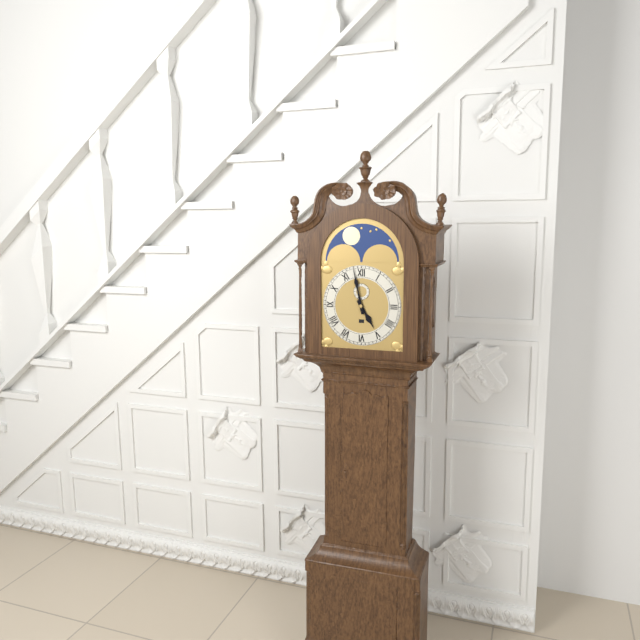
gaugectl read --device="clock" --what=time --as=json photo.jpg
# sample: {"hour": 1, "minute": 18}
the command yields {"hour": 4, "minute": 58}
